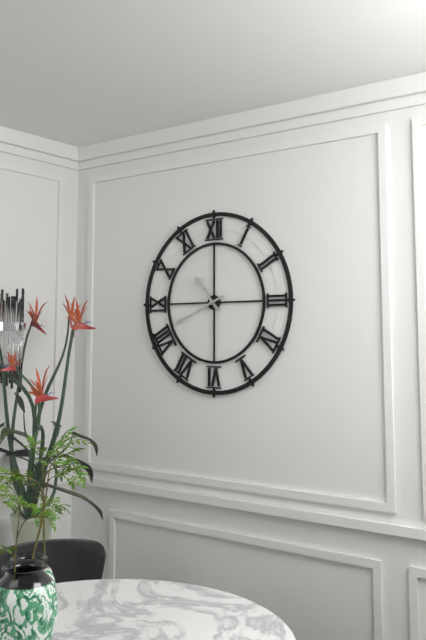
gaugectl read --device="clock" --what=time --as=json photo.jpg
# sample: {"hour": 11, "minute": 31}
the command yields {"hour": 10, "minute": 41}
